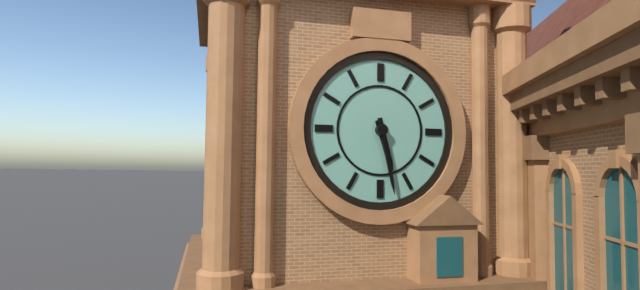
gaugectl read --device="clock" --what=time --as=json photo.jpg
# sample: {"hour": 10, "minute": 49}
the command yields {"hour": 5, "minute": 28}
